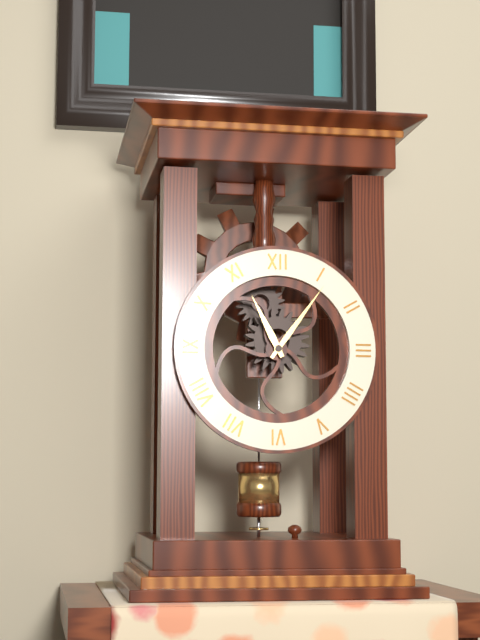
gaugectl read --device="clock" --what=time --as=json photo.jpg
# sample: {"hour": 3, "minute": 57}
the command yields {"hour": 11, "minute": 6}
